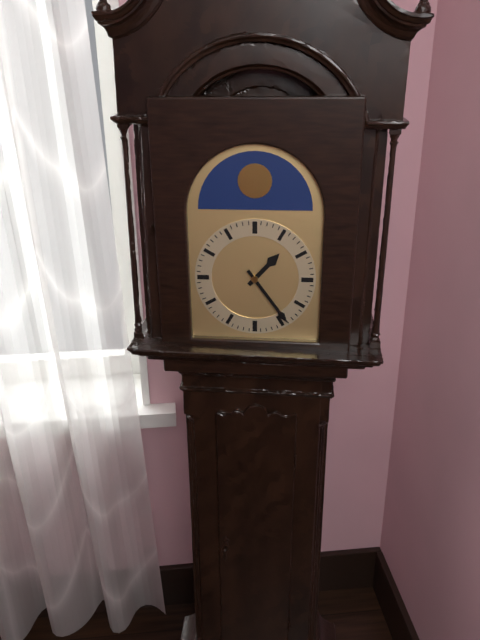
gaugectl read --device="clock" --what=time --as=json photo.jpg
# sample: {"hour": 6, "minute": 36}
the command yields {"hour": 1, "minute": 24}
